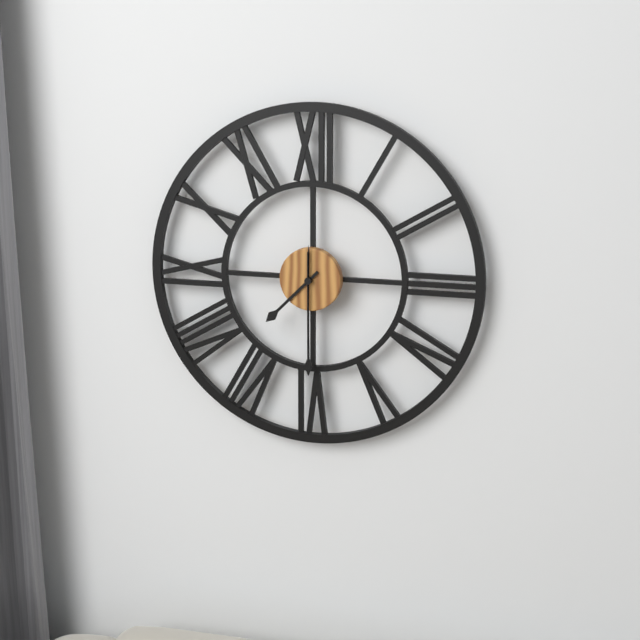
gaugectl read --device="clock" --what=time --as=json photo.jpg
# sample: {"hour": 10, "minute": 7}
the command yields {"hour": 7, "minute": 30}
